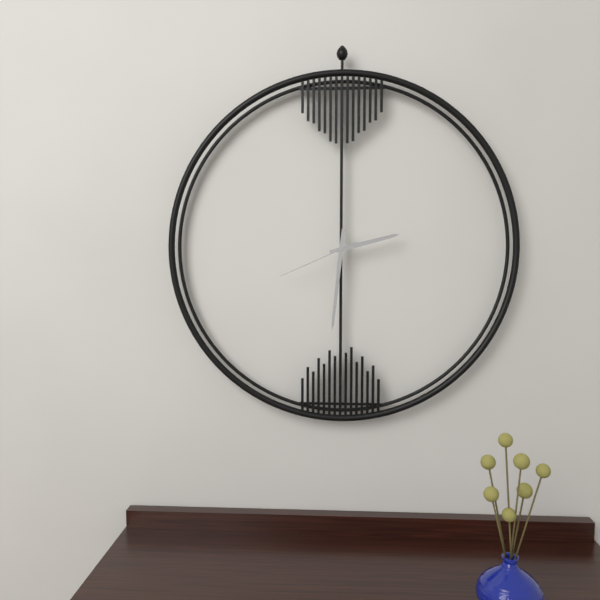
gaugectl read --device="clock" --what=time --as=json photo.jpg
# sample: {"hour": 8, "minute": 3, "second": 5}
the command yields {"hour": 2, "minute": 31, "second": 41}
